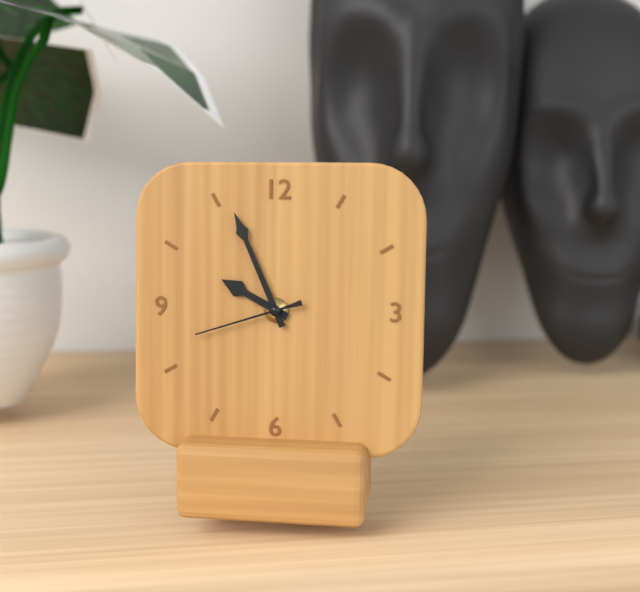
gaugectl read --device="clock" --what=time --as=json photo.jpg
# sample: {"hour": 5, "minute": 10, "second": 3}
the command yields {"hour": 9, "minute": 56, "second": 42}
